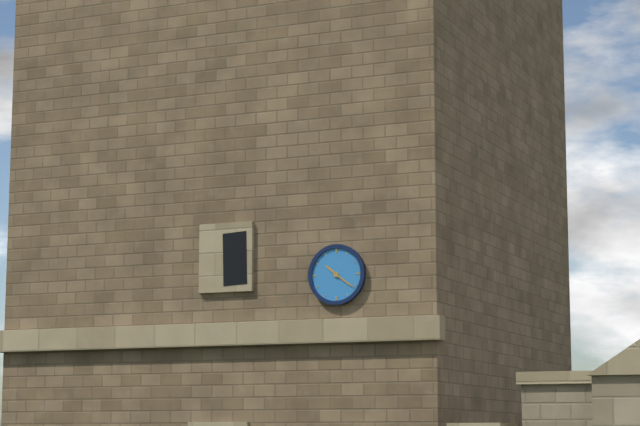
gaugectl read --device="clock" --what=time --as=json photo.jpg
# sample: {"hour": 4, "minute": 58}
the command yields {"hour": 10, "minute": 21}
